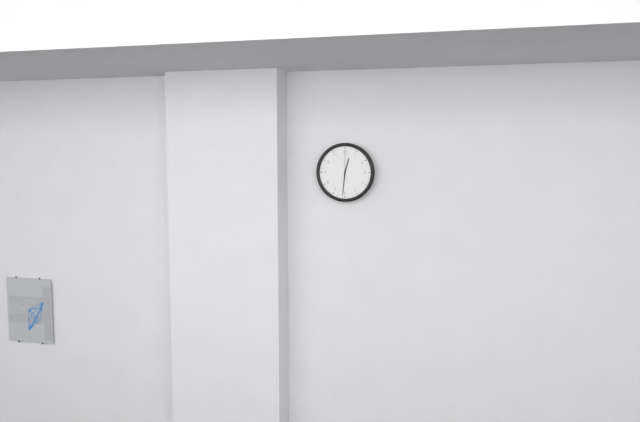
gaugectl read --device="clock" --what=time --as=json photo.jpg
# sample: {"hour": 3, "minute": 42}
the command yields {"hour": 12, "minute": 31}
